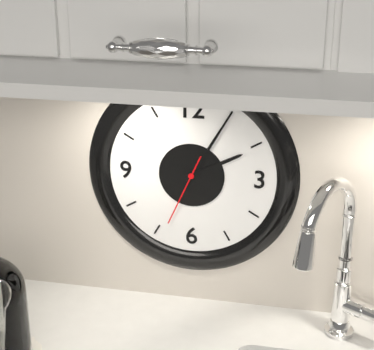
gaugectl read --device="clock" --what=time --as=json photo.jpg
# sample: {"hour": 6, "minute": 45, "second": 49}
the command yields {"hour": 2, "minute": 5, "second": 34}
